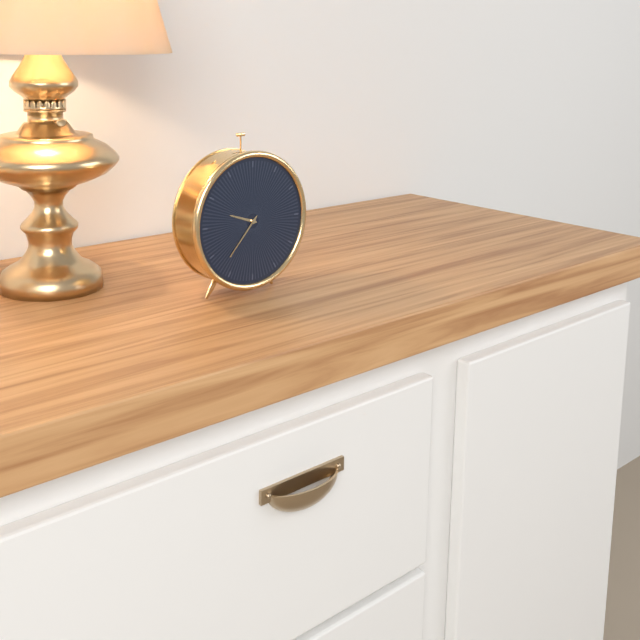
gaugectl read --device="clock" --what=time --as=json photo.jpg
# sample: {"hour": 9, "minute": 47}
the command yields {"hour": 9, "minute": 37}
